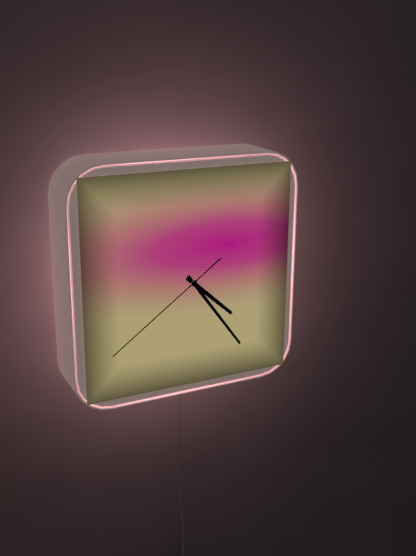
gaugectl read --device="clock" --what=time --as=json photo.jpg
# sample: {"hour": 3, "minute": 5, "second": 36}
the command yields {"hour": 4, "minute": 24, "second": 39}
